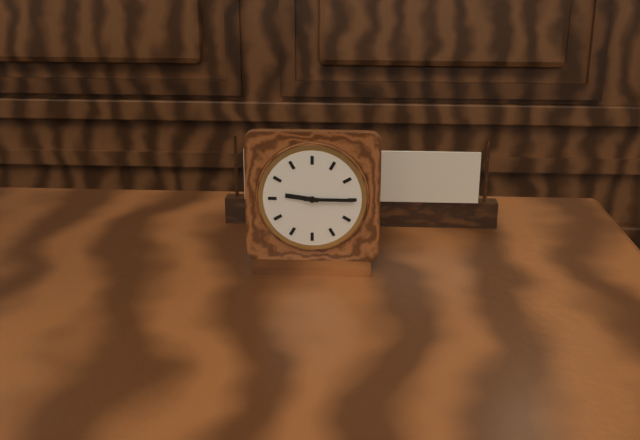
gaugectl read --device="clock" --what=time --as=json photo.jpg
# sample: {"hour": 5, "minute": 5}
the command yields {"hour": 9, "minute": 15}
